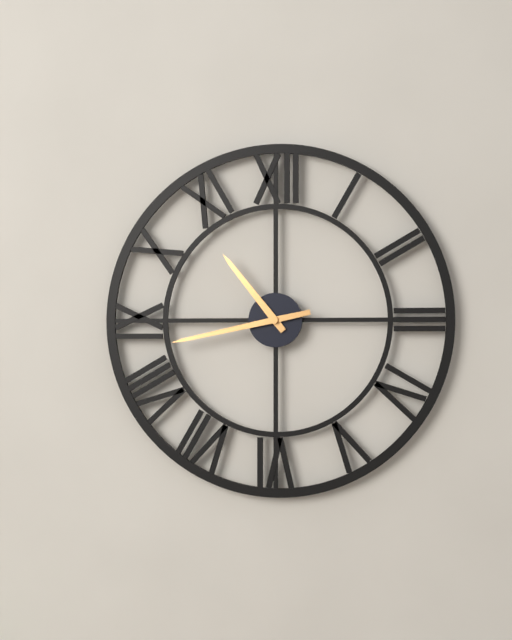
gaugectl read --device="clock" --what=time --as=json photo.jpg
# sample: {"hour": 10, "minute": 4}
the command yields {"hour": 10, "minute": 43}
